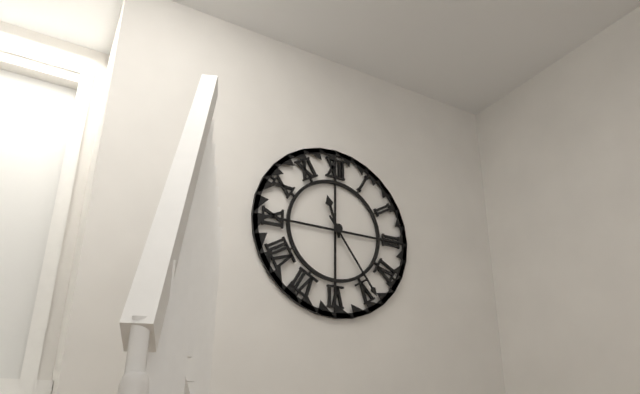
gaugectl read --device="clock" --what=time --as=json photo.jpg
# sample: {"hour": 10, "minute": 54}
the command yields {"hour": 11, "minute": 24}
